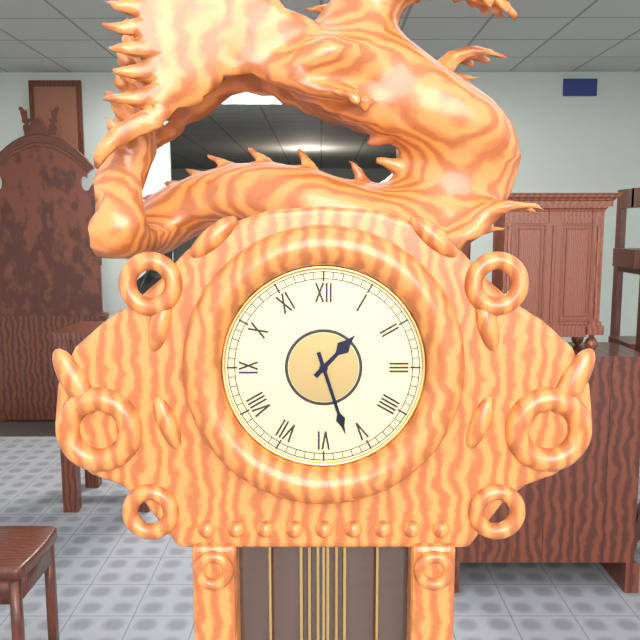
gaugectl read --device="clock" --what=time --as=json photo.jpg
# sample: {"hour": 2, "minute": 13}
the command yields {"hour": 1, "minute": 27}
